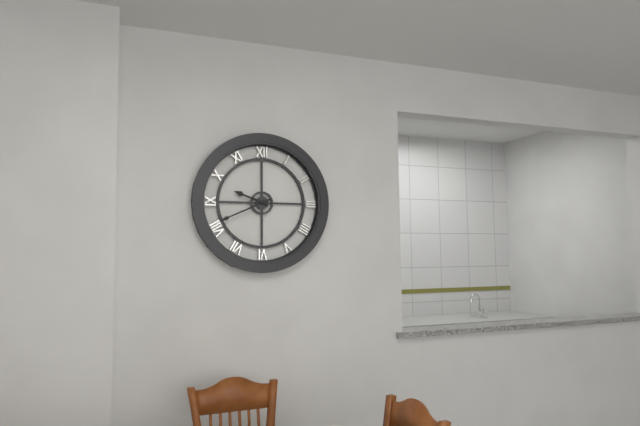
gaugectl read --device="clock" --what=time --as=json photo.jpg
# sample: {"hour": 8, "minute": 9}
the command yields {"hour": 9, "minute": 41}
